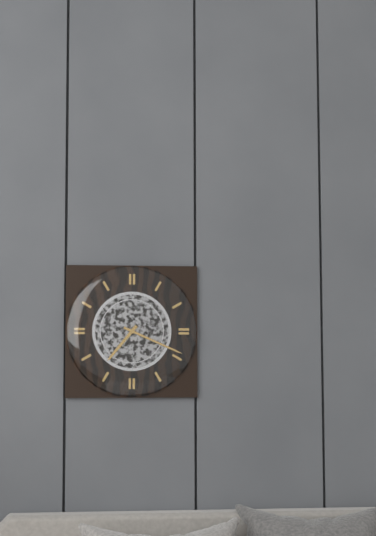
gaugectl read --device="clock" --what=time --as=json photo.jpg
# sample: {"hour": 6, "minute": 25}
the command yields {"hour": 7, "minute": 19}
